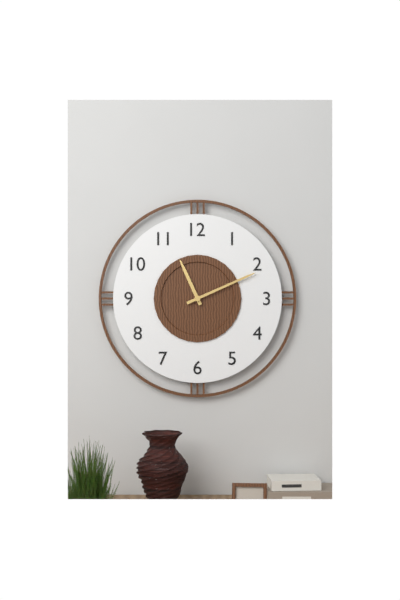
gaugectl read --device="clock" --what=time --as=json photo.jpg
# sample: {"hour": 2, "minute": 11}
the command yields {"hour": 11, "minute": 11}
